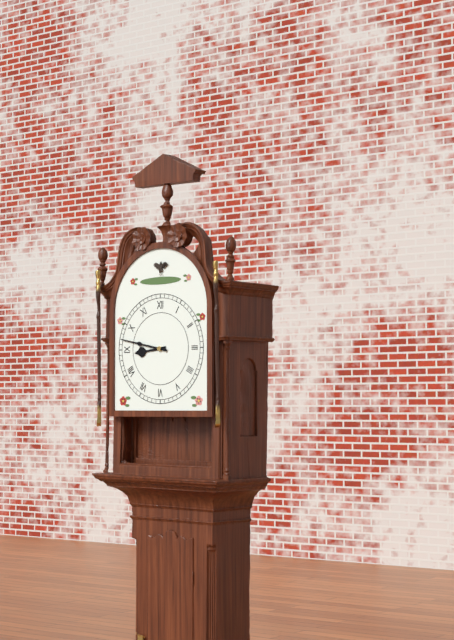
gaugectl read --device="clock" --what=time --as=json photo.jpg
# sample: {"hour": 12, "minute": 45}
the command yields {"hour": 8, "minute": 47}
